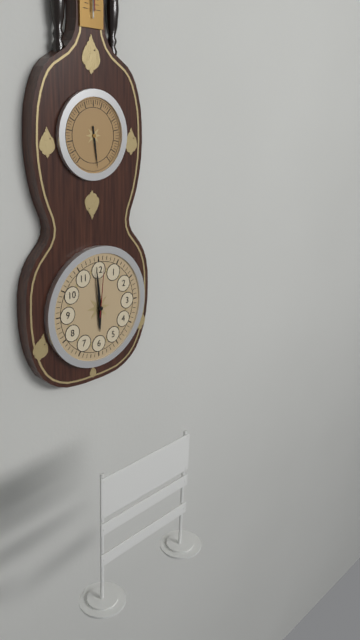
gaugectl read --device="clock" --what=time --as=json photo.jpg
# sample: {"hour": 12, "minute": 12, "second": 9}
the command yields {"hour": 5, "minute": 59, "second": 1}
